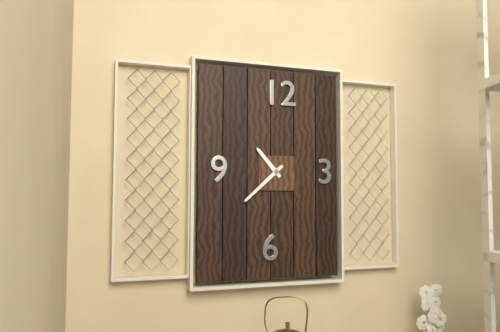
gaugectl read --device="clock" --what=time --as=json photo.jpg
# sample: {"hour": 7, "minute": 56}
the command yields {"hour": 10, "minute": 38}
